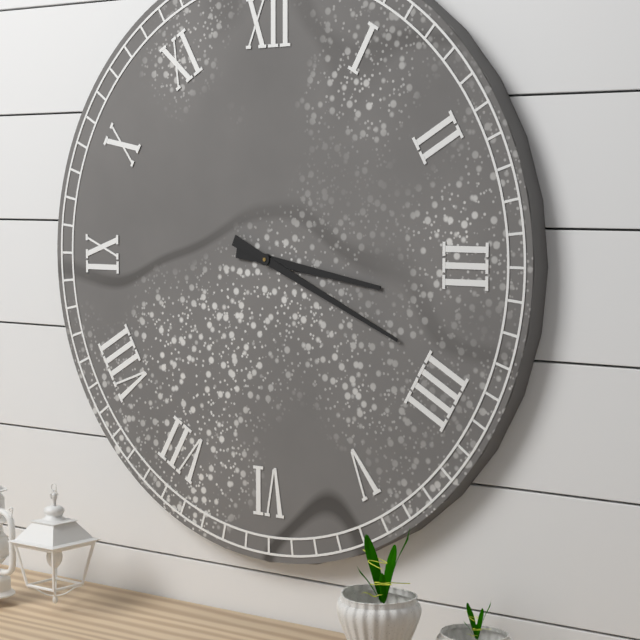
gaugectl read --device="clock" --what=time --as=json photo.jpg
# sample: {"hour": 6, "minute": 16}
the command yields {"hour": 3, "minute": 19}
